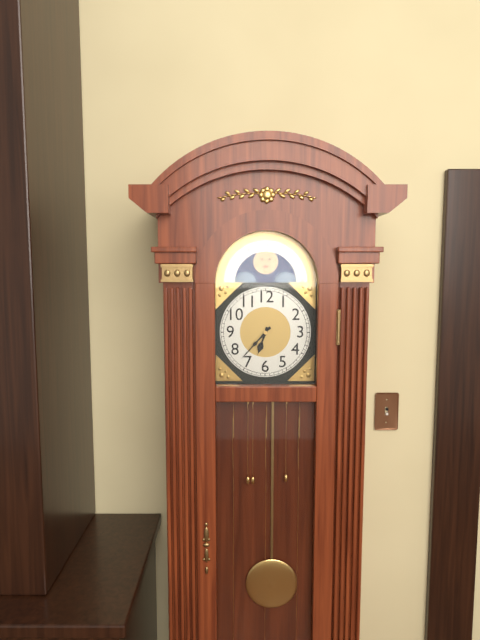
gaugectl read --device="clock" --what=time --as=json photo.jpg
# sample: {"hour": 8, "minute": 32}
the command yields {"hour": 6, "minute": 37}
